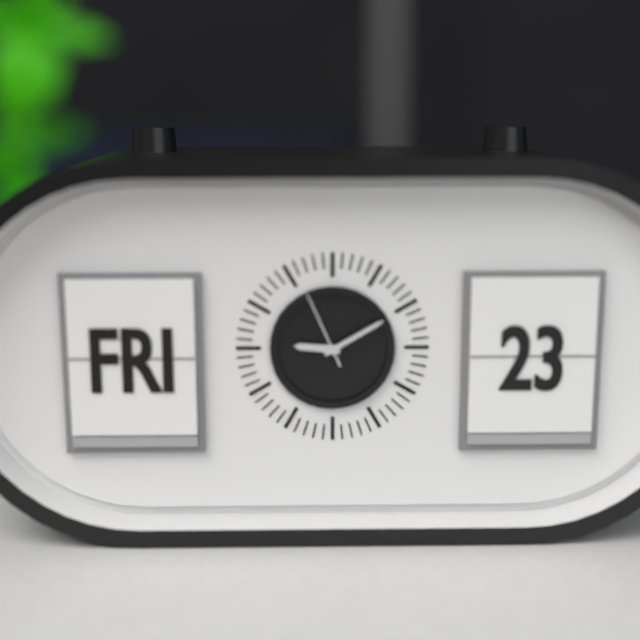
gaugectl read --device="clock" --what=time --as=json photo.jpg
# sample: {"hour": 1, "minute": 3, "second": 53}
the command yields {"hour": 9, "minute": 10, "second": 56}
